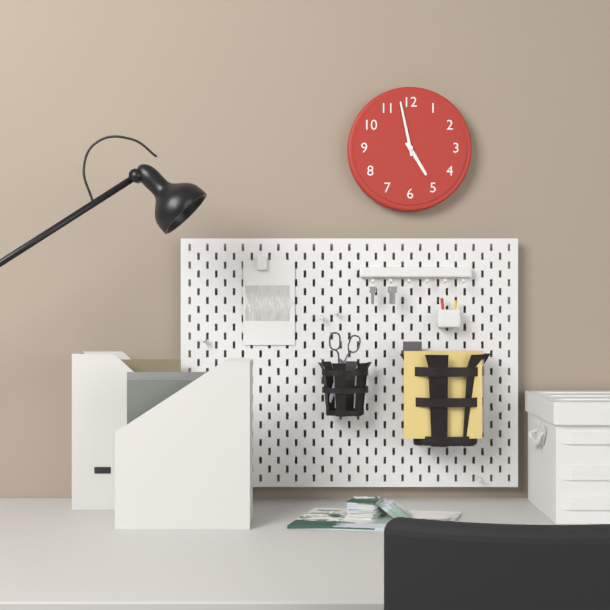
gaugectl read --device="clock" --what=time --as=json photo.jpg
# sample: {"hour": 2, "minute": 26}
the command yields {"hour": 4, "minute": 58}
